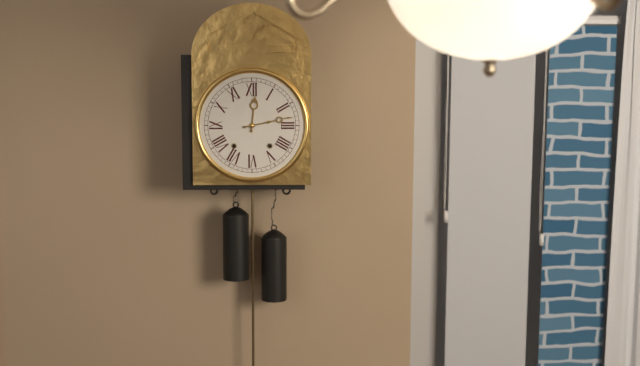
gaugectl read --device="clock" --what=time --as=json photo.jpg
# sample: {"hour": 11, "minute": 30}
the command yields {"hour": 12, "minute": 13}
